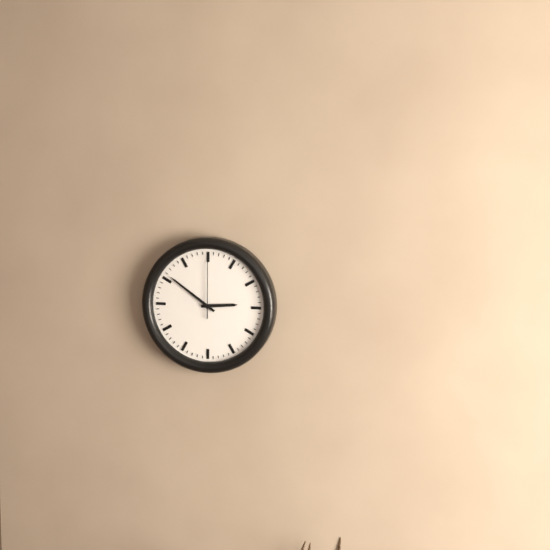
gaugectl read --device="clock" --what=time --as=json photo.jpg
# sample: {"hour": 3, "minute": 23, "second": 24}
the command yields {"hour": 2, "minute": 51, "second": 0}
